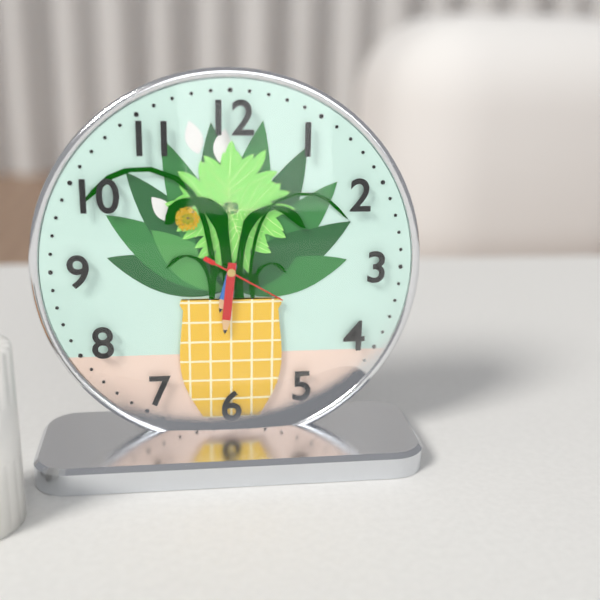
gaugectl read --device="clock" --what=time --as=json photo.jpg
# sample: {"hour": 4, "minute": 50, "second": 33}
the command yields {"hour": 6, "minute": 31, "second": 20}
